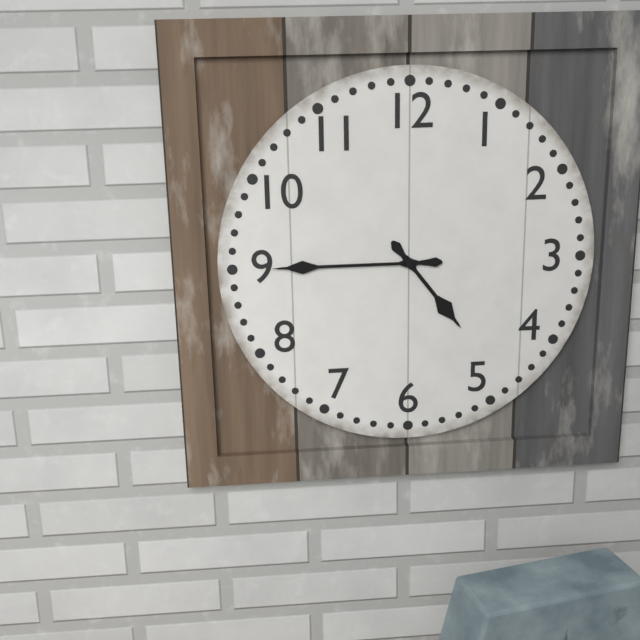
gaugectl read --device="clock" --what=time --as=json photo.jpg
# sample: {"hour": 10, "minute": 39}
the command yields {"hour": 4, "minute": 45}
